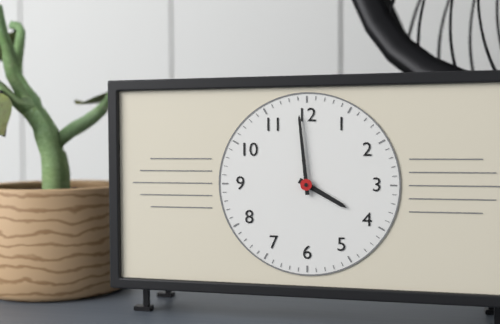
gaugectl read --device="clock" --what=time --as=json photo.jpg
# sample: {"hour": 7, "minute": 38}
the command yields {"hour": 3, "minute": 59}
